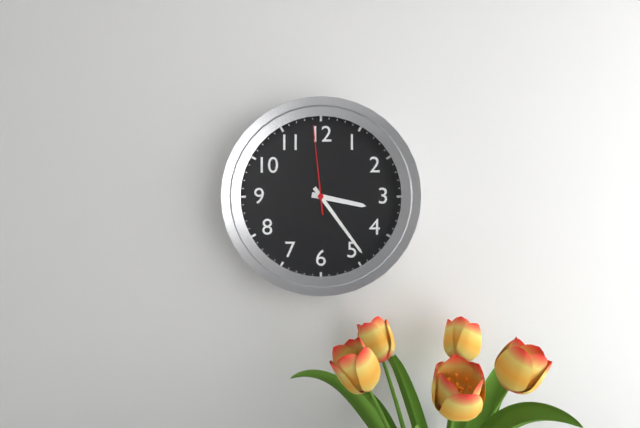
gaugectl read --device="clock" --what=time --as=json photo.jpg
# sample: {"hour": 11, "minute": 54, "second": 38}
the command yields {"hour": 3, "minute": 24, "second": 59}
